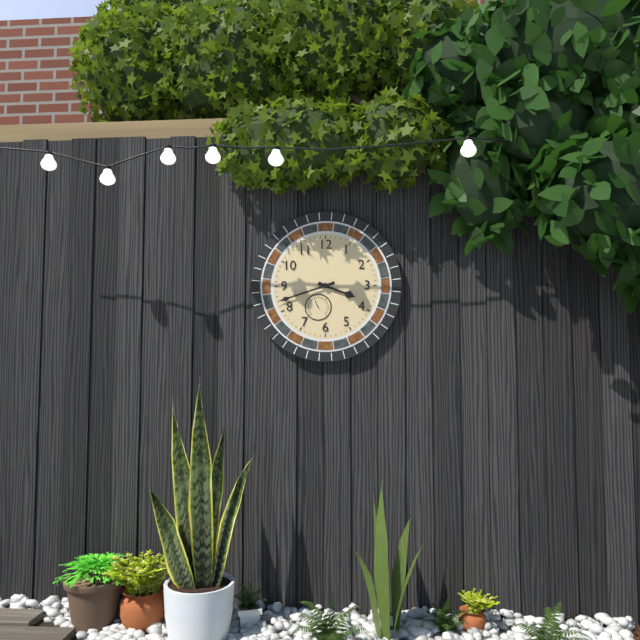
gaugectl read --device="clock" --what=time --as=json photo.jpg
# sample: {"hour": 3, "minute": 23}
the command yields {"hour": 3, "minute": 42}
